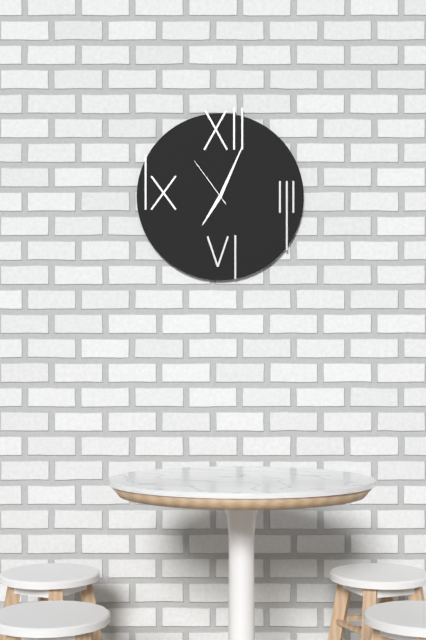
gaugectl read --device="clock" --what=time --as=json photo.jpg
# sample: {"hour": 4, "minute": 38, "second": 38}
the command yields {"hour": 7, "minute": 4, "second": 54}
